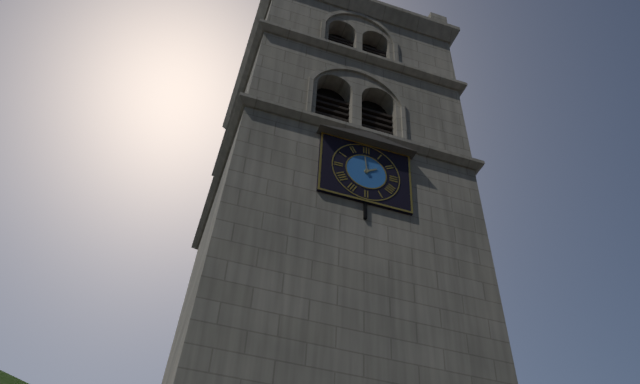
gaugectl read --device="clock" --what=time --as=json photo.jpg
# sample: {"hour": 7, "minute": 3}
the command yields {"hour": 1, "minute": 59}
